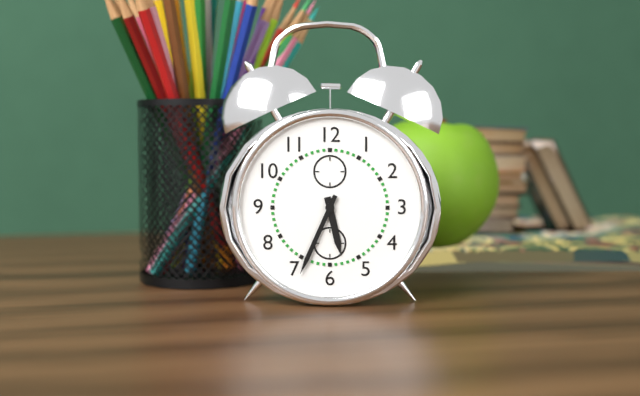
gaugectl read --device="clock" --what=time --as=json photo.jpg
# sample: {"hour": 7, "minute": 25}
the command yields {"hour": 5, "minute": 34}
